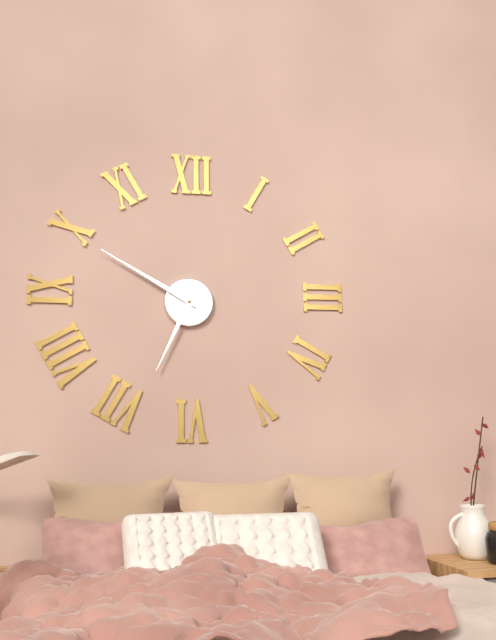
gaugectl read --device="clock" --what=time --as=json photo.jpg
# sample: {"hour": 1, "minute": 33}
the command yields {"hour": 6, "minute": 50}
